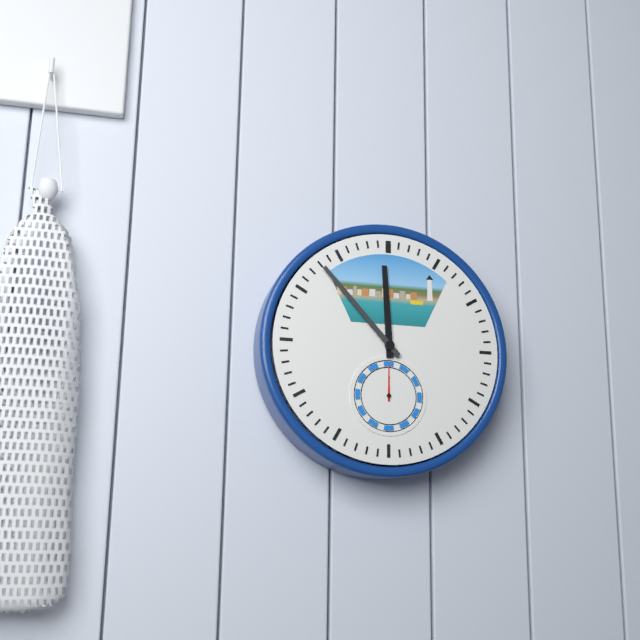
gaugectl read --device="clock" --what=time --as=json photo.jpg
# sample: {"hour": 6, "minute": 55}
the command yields {"hour": 11, "minute": 53}
